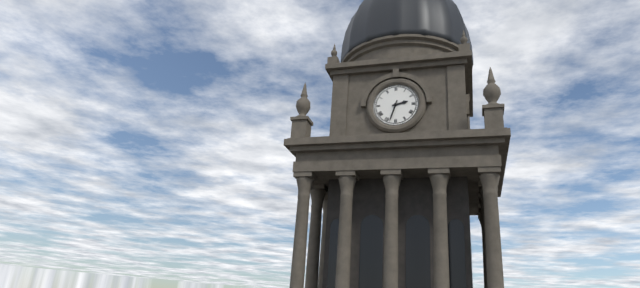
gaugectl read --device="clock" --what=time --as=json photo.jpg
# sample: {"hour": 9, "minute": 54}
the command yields {"hour": 2, "minute": 33}
